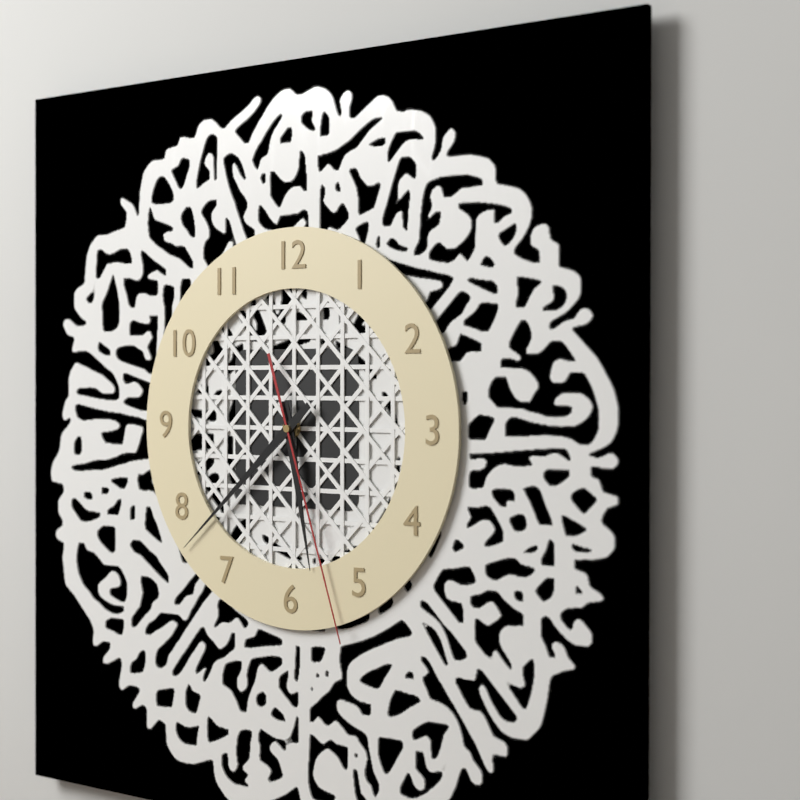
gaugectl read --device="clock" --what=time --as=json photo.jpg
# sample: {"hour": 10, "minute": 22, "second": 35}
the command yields {"hour": 5, "minute": 38, "second": 27}
